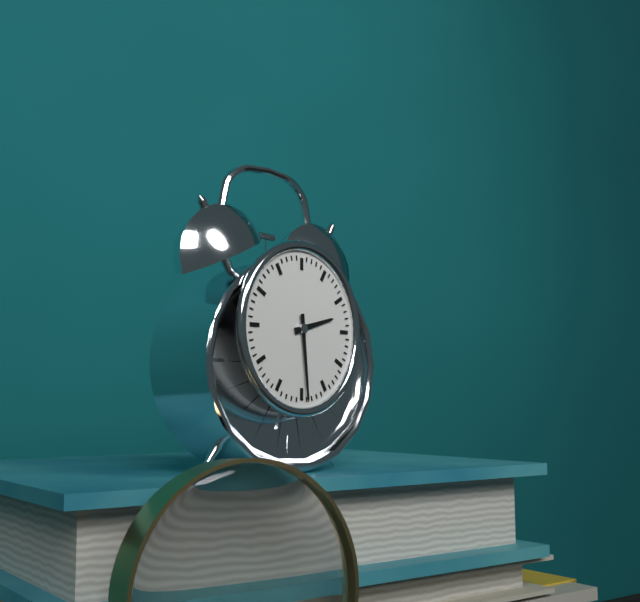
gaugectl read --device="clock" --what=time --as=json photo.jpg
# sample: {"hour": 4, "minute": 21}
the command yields {"hour": 2, "minute": 29}
